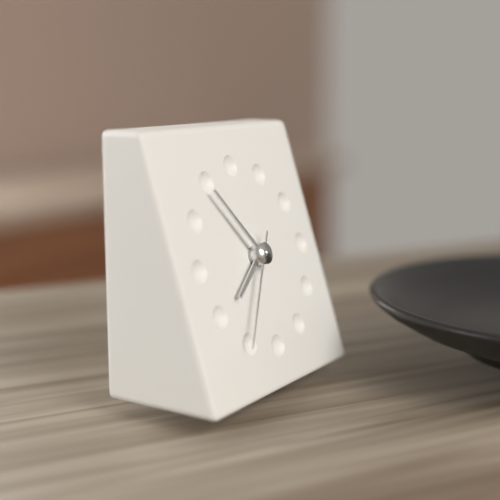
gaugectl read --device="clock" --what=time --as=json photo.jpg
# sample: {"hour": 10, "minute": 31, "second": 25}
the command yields {"hour": 7, "minute": 54, "second": 36}
